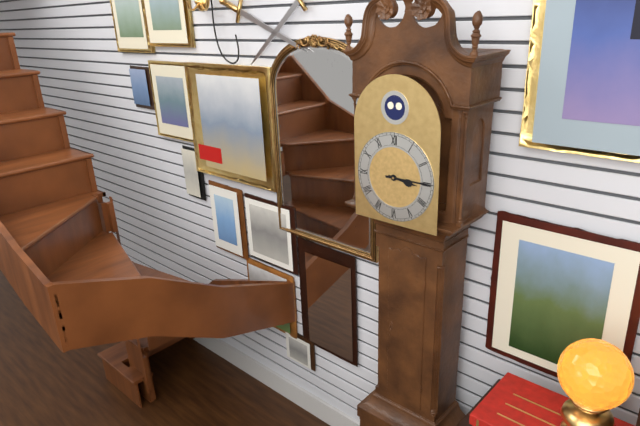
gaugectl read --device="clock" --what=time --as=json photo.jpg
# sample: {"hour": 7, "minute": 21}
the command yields {"hour": 3, "minute": 15}
